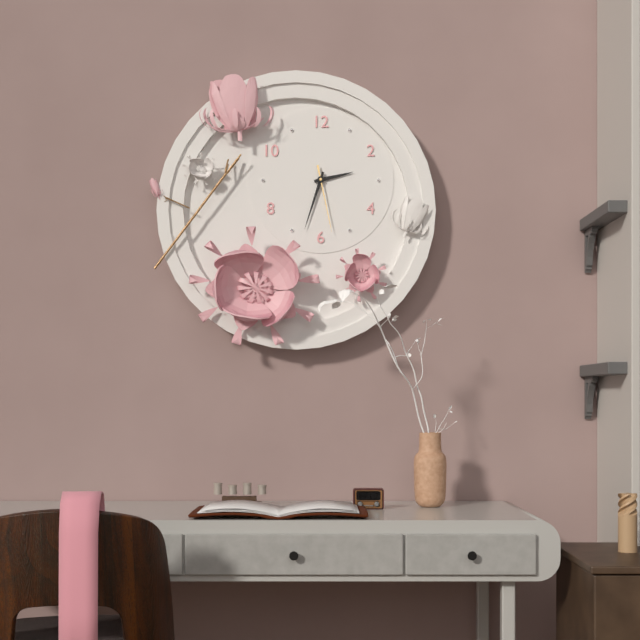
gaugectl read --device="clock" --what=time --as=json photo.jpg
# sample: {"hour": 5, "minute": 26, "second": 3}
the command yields {"hour": 2, "minute": 33, "second": 28}
